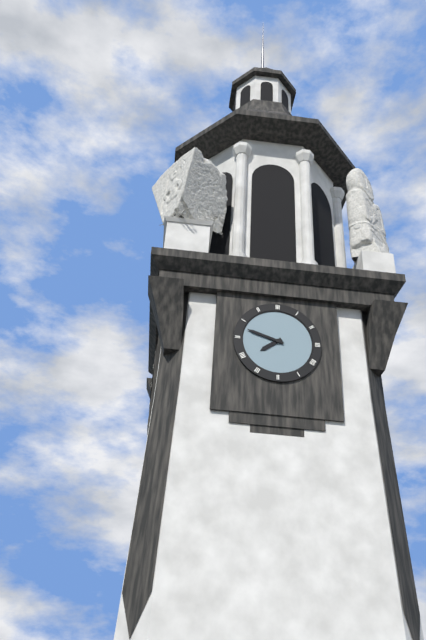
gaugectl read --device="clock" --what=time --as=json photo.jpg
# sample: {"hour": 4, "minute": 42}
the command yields {"hour": 7, "minute": 48}
